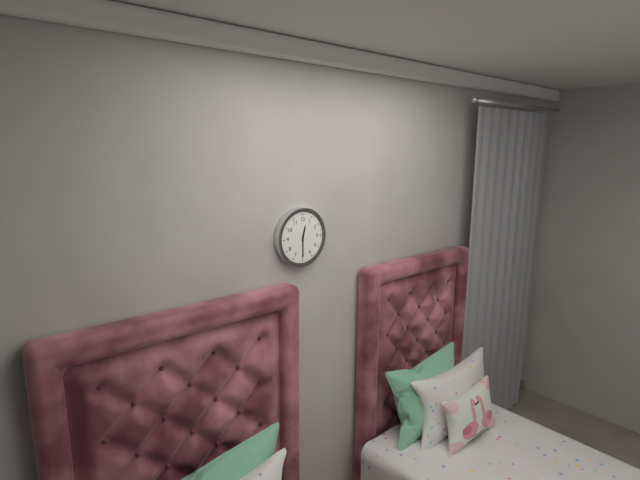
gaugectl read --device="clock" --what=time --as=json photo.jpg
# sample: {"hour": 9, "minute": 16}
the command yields {"hour": 12, "minute": 30}
